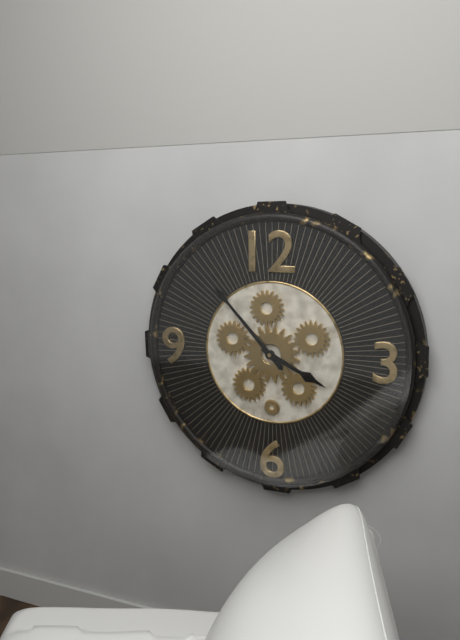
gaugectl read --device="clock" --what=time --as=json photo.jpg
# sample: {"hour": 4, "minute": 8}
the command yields {"hour": 3, "minute": 53}
